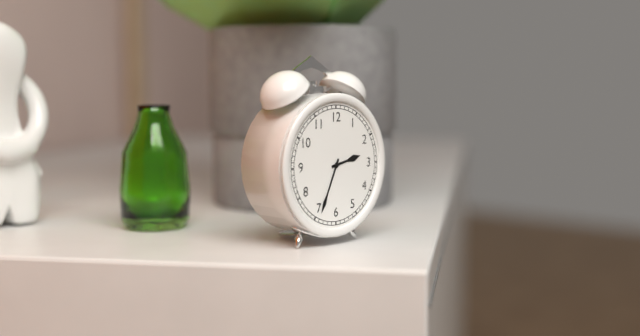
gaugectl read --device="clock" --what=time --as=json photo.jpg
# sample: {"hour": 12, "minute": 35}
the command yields {"hour": 2, "minute": 34}
